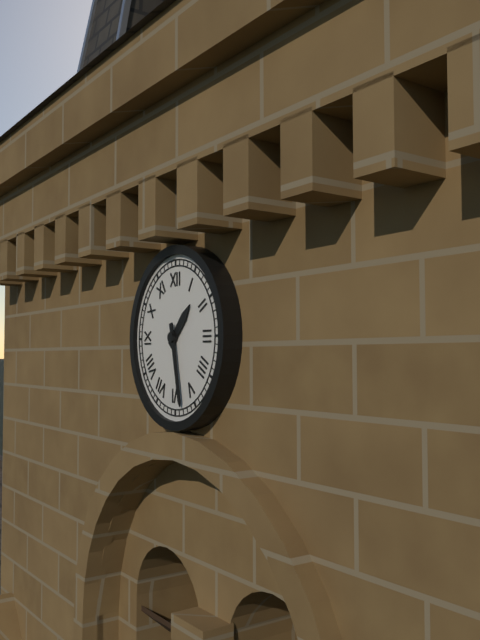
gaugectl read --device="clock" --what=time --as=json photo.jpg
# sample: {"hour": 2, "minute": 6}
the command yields {"hour": 1, "minute": 28}
